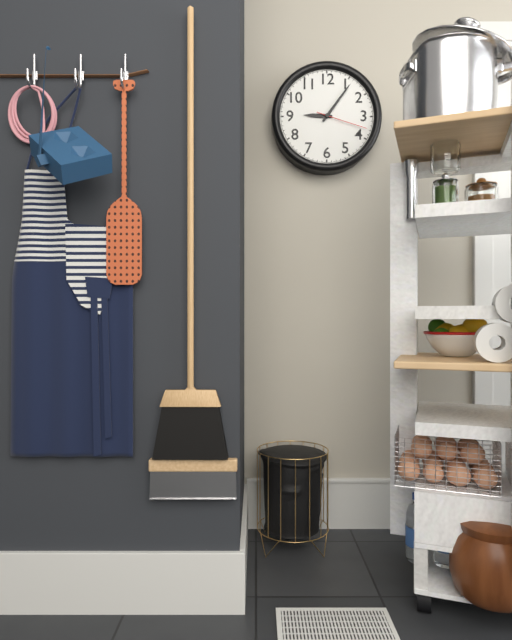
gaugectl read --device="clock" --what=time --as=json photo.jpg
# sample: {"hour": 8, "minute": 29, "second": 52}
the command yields {"hour": 9, "minute": 6, "second": 18}
